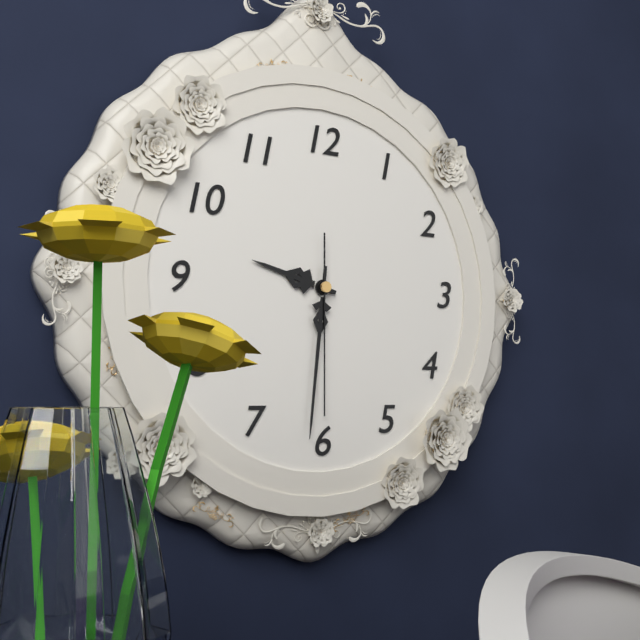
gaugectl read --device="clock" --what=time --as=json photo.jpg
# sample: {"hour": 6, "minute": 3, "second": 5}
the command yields {"hour": 9, "minute": 31, "second": 30}
